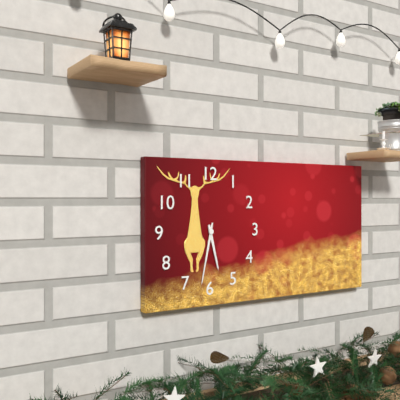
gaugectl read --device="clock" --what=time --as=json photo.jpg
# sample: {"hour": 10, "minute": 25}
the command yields {"hour": 5, "minute": 32}
